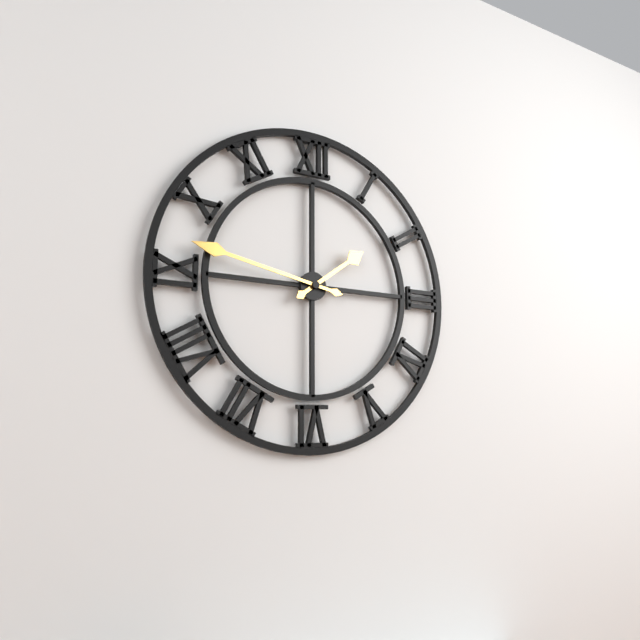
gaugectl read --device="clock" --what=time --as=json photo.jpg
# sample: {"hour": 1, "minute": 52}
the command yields {"hour": 1, "minute": 47}
